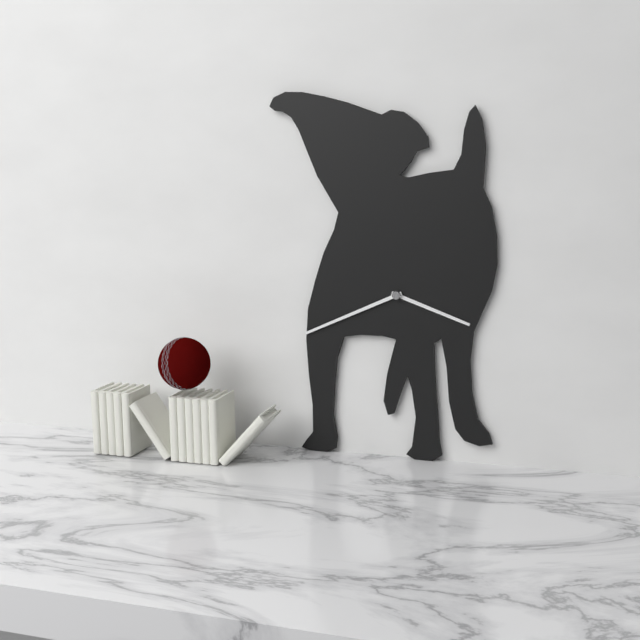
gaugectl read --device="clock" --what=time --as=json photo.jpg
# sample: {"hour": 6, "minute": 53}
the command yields {"hour": 3, "minute": 41}
